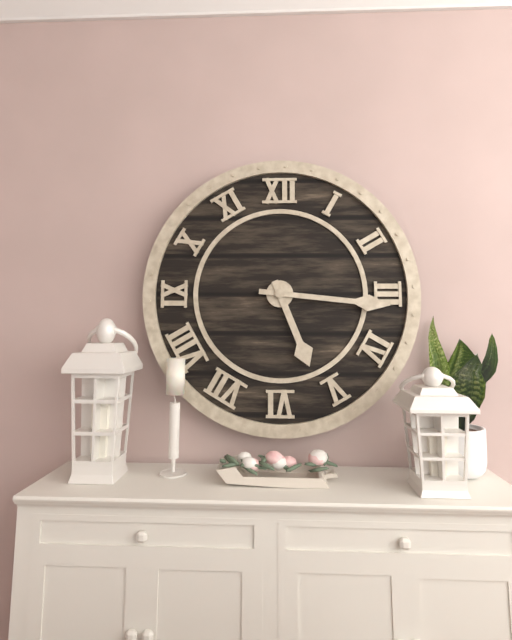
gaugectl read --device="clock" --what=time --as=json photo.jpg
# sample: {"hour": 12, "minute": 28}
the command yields {"hour": 5, "minute": 16}
